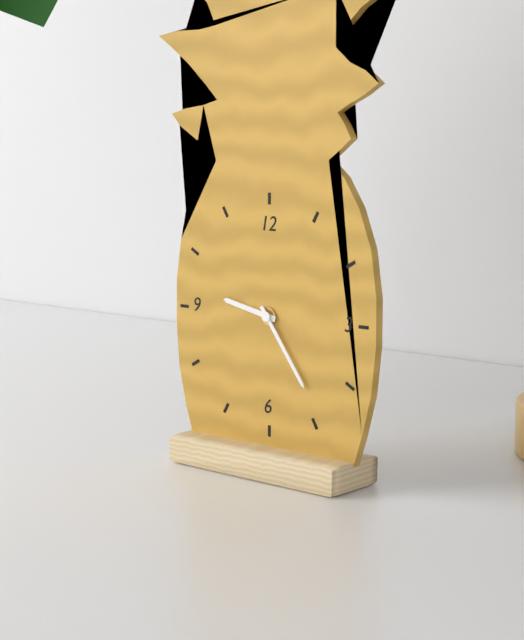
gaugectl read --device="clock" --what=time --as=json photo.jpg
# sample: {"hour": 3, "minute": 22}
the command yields {"hour": 9, "minute": 24}
